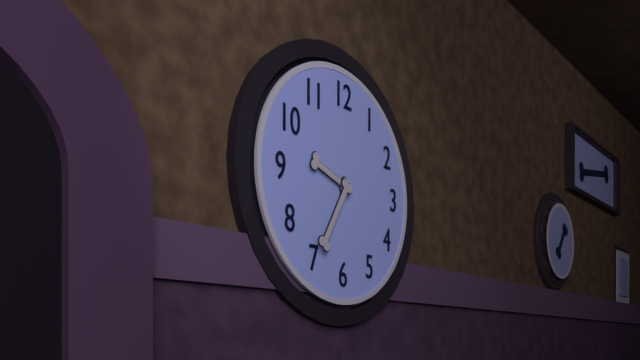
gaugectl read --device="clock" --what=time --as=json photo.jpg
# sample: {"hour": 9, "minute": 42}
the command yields {"hour": 9, "minute": 35}
